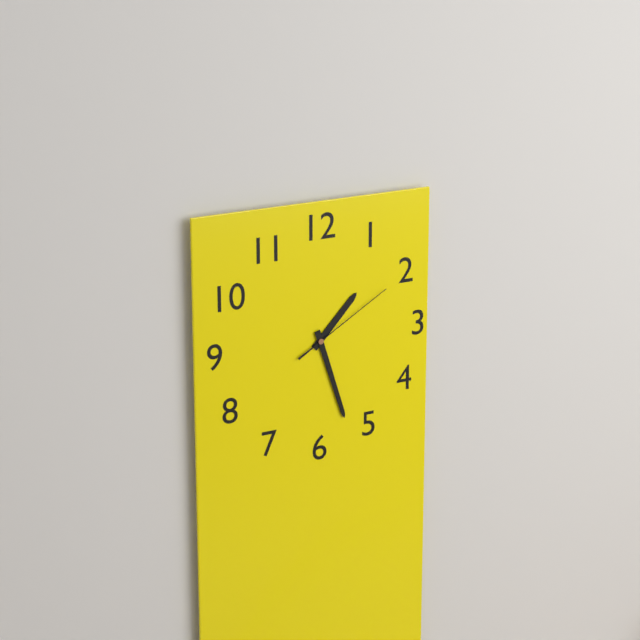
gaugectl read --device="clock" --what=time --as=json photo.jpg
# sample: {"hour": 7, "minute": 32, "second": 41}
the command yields {"hour": 1, "minute": 27, "second": 10}
